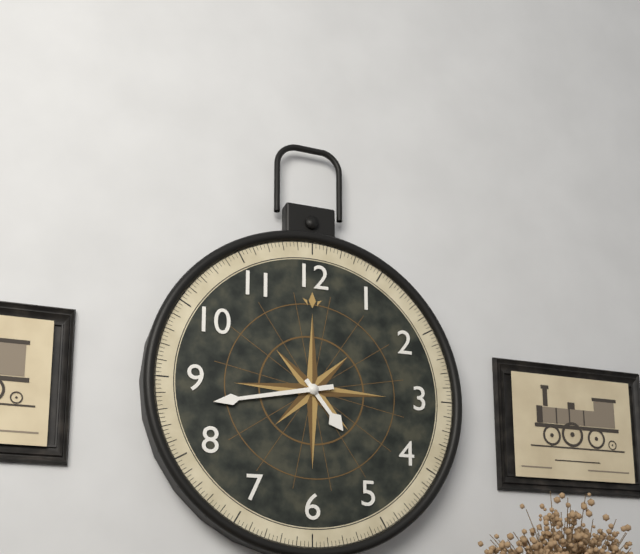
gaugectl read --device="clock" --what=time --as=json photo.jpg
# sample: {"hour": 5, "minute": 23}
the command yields {"hour": 4, "minute": 43}
